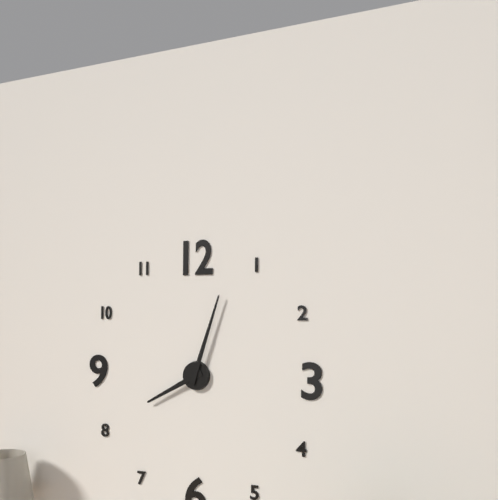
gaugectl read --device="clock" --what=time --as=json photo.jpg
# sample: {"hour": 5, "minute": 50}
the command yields {"hour": 8, "minute": 3}
